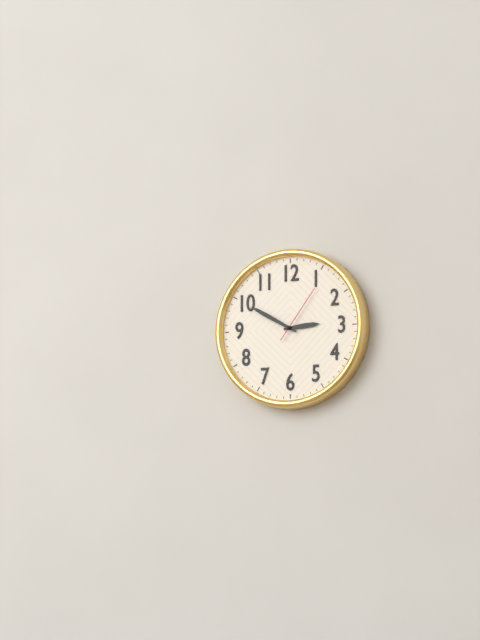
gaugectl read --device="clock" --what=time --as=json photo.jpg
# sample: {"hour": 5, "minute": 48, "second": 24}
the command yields {"hour": 2, "minute": 50, "second": 6}
